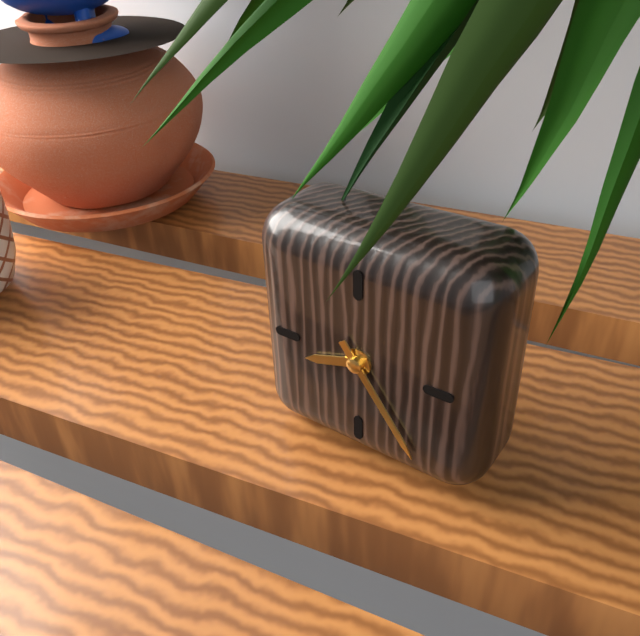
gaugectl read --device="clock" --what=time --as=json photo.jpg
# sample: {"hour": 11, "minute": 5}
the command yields {"hour": 8, "minute": 24}
